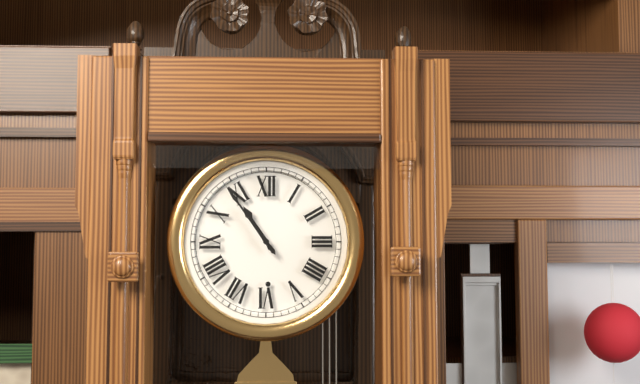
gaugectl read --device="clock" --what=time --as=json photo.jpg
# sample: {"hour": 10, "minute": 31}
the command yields {"hour": 10, "minute": 54}
